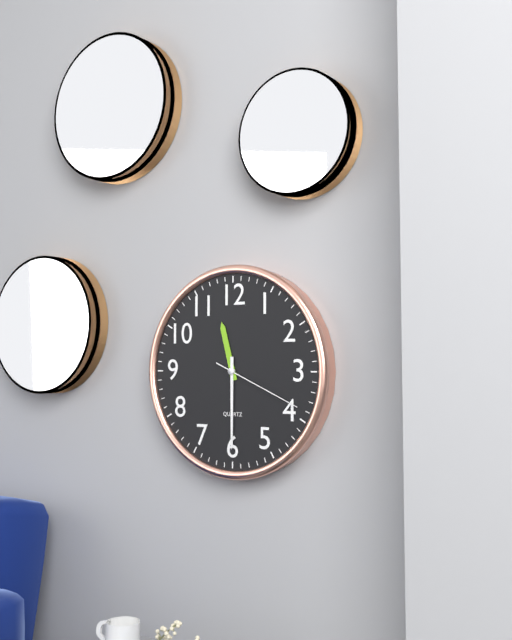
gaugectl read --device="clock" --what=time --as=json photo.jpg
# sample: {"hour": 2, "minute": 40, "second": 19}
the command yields {"hour": 11, "minute": 30, "second": 19}
